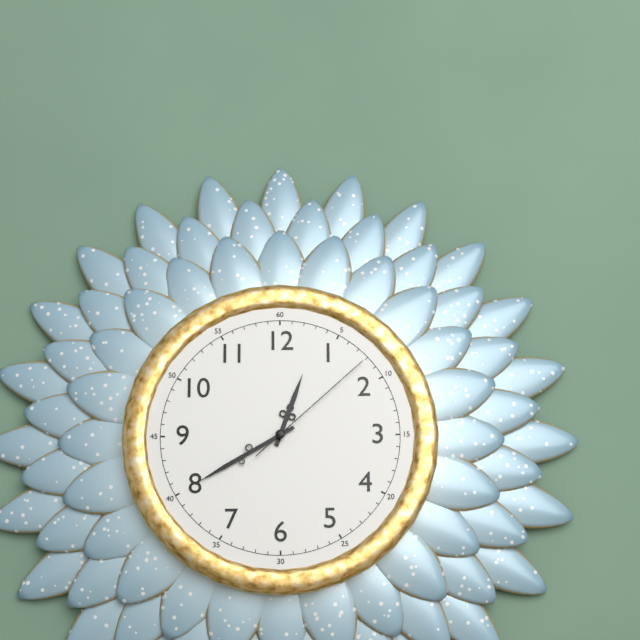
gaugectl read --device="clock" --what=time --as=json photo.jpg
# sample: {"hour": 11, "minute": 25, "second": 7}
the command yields {"hour": 12, "minute": 40, "second": 8}
